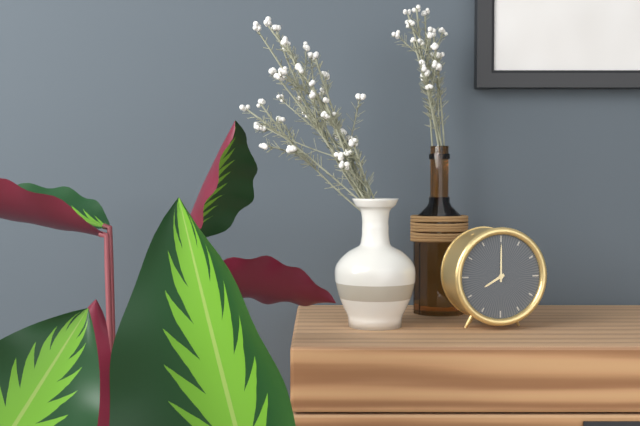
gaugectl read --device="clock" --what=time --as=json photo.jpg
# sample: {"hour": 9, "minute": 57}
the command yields {"hour": 8, "minute": 0}
